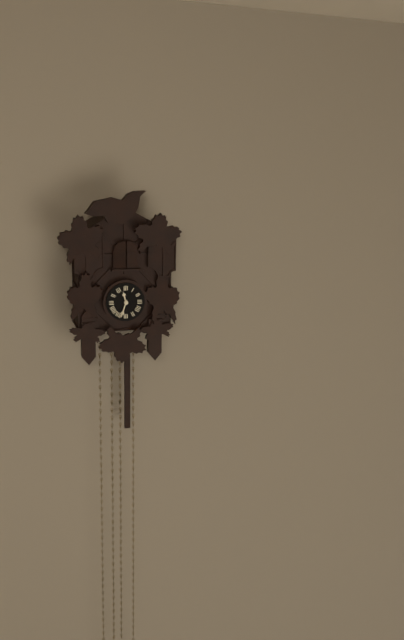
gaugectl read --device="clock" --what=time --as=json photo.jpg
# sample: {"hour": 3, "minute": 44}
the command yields {"hour": 11, "minute": 33}
